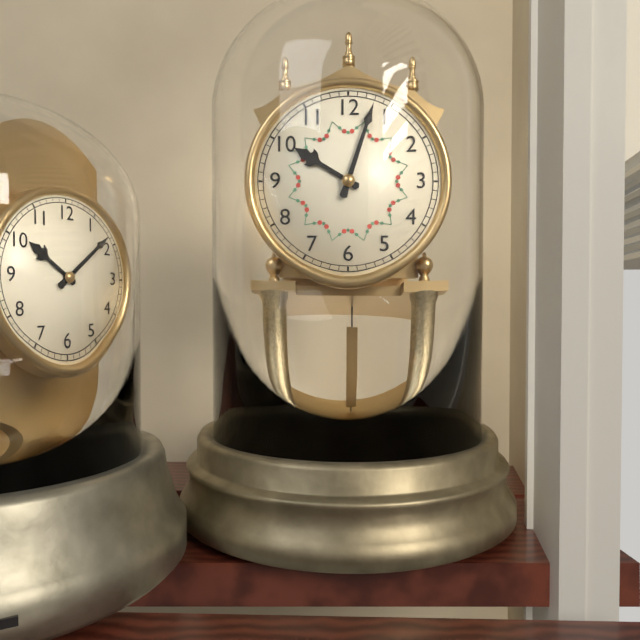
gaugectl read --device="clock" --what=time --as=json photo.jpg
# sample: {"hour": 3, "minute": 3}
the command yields {"hour": 10, "minute": 3}
